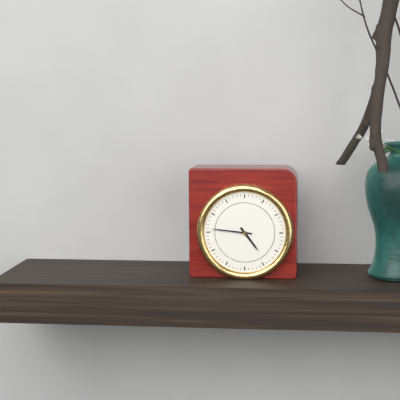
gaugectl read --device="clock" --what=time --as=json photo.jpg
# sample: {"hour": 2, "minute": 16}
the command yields {"hour": 4, "minute": 46}
